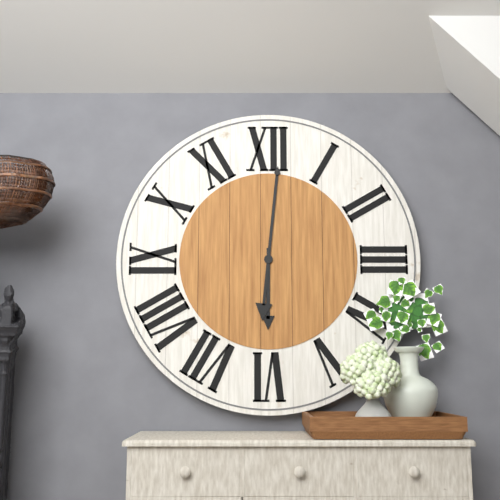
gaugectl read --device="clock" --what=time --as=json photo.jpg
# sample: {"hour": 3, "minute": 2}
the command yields {"hour": 6, "minute": 1}
